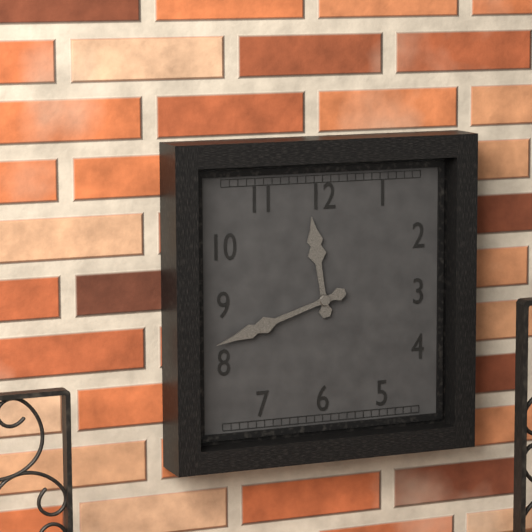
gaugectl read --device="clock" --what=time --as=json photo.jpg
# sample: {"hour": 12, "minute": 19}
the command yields {"hour": 11, "minute": 42}
